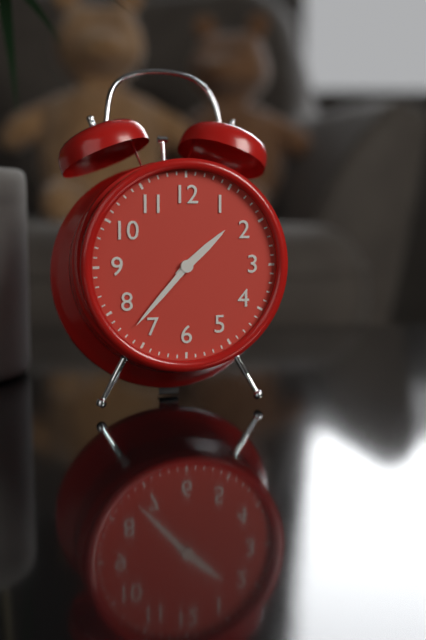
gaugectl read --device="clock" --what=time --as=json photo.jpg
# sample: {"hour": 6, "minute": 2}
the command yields {"hour": 1, "minute": 37}
